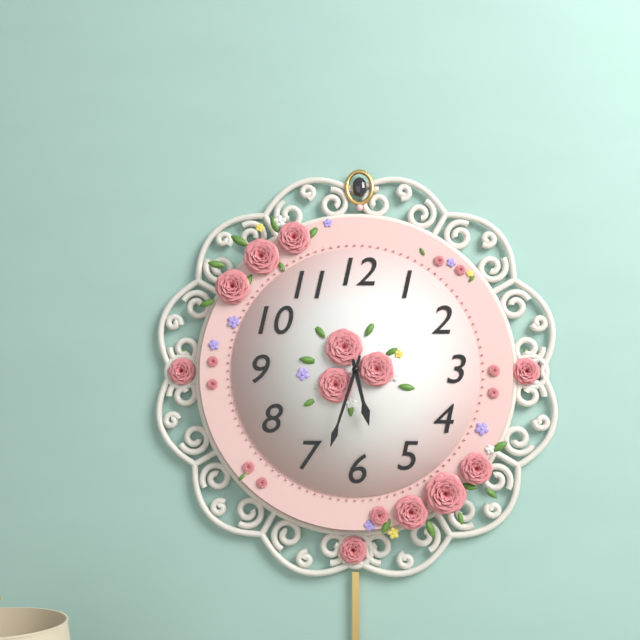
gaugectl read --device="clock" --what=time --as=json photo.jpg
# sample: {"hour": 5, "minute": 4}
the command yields {"hour": 5, "minute": 33}
